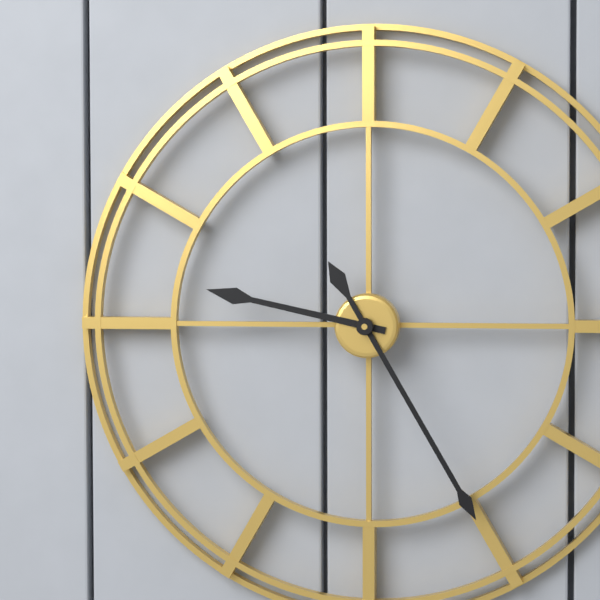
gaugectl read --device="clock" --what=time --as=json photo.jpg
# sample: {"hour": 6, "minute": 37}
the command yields {"hour": 9, "minute": 25}
